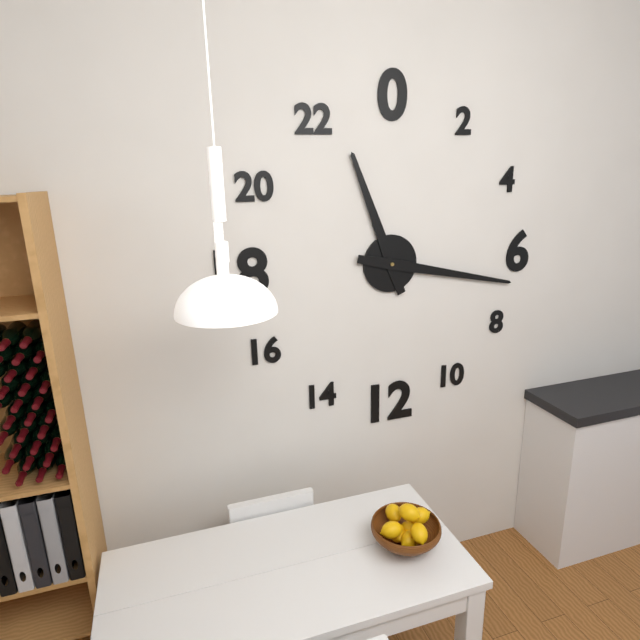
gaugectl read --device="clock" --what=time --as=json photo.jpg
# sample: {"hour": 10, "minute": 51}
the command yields {"hour": 11, "minute": 17}
